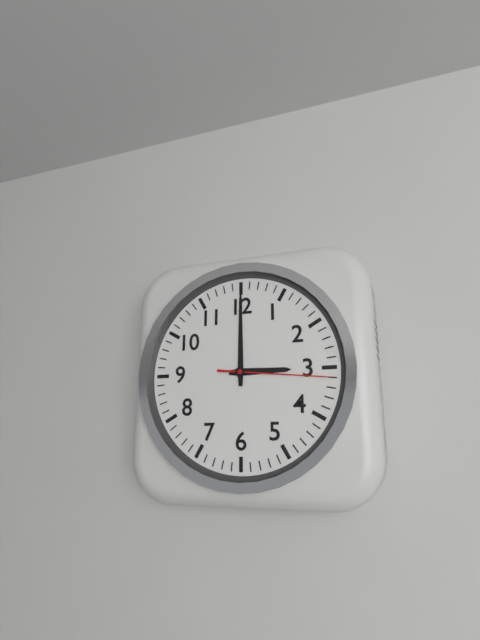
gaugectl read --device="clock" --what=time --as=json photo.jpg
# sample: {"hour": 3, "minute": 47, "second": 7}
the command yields {"hour": 3, "minute": 0, "second": 16}
